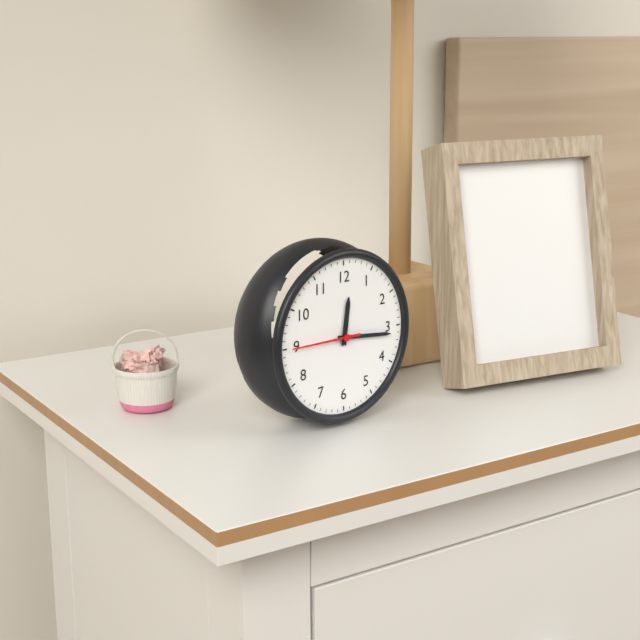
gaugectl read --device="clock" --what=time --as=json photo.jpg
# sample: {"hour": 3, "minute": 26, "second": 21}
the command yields {"hour": 12, "minute": 16, "second": 45}
